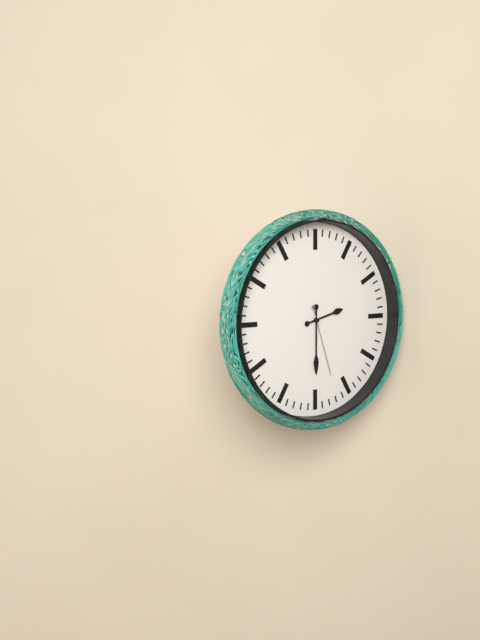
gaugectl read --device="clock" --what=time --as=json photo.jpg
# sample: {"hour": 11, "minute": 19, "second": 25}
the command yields {"hour": 2, "minute": 30, "second": 27}
